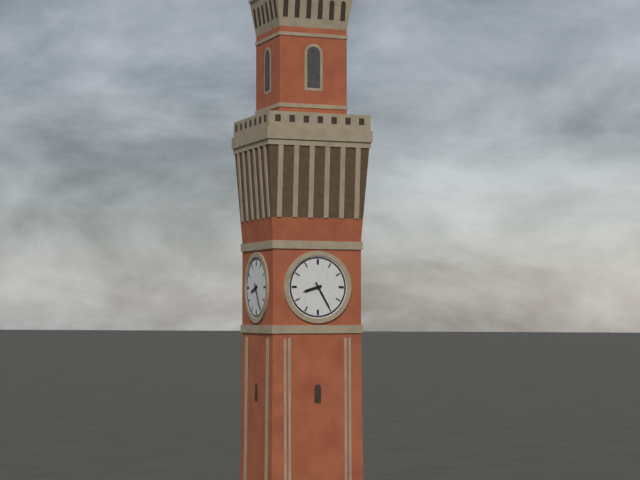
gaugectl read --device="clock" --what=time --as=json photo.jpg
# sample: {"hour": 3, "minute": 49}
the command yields {"hour": 8, "minute": 25}
